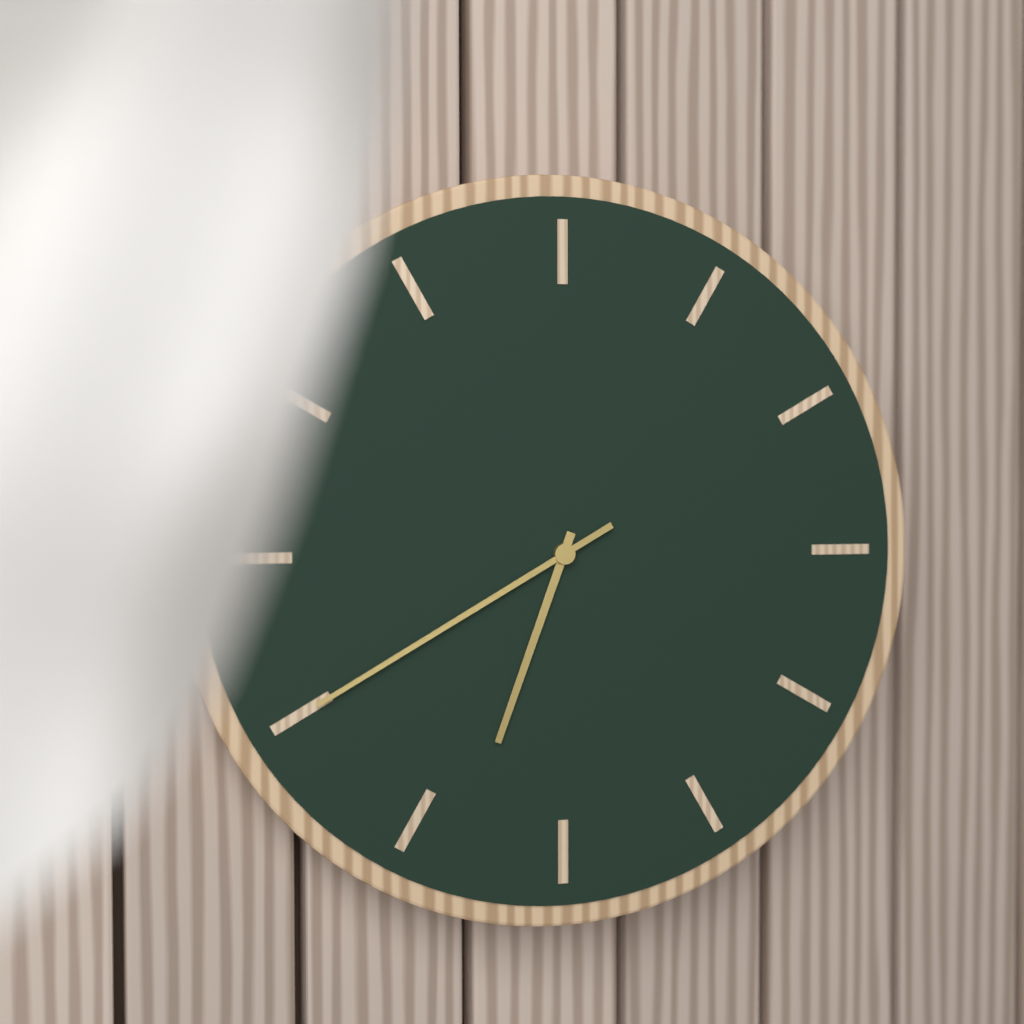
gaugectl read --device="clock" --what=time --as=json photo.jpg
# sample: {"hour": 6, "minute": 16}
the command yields {"hour": 6, "minute": 40}
